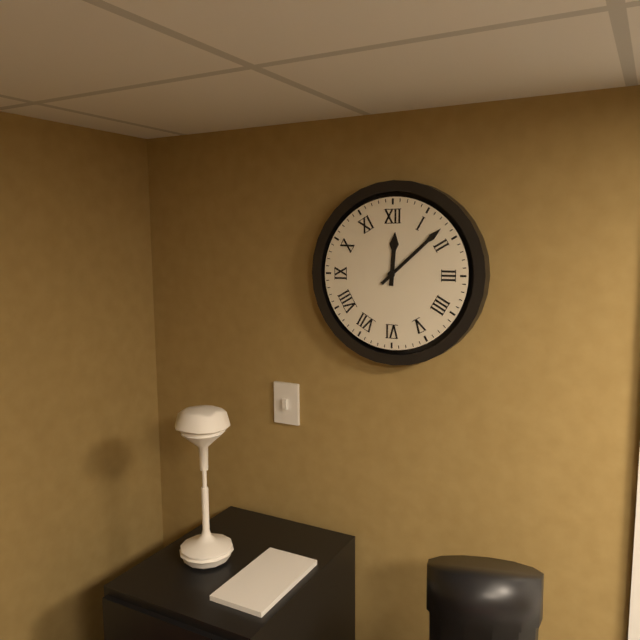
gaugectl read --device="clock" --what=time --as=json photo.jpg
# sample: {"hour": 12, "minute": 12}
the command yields {"hour": 12, "minute": 8}
